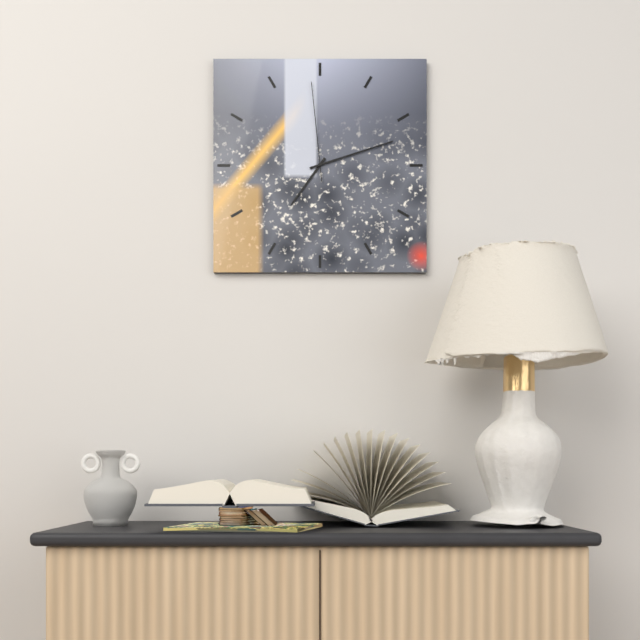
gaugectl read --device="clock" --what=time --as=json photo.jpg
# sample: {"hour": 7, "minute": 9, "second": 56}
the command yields {"hour": 7, "minute": 12, "second": 59}
